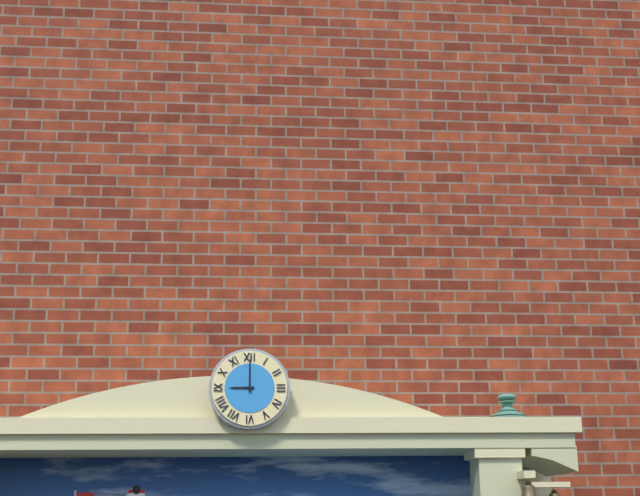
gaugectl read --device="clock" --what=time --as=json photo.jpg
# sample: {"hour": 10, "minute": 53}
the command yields {"hour": 9, "minute": 0}
